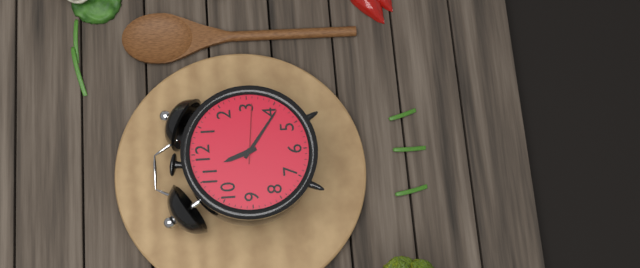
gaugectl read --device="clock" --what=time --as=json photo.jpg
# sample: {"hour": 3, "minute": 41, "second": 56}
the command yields {"hour": 11, "minute": 21, "second": 16}
